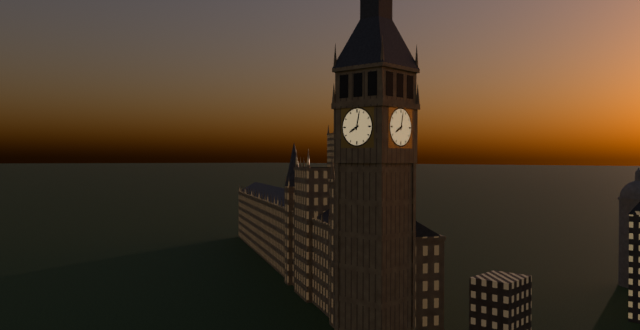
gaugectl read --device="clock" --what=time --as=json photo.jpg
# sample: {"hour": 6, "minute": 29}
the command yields {"hour": 8, "minute": 2}
